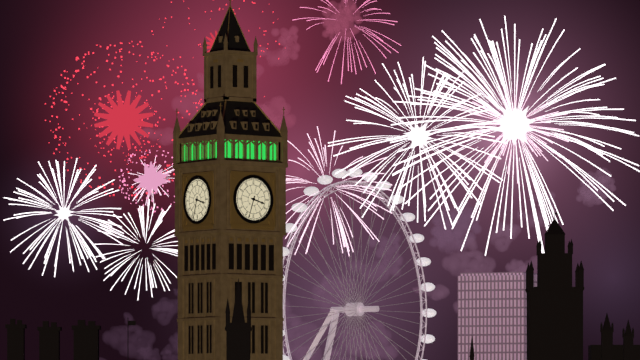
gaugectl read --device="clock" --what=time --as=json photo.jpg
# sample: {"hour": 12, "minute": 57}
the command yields {"hour": 3, "minute": 33}
